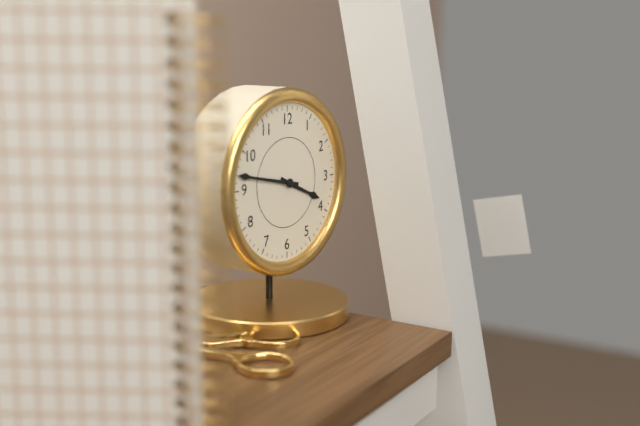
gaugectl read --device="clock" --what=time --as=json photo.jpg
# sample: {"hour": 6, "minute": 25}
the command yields {"hour": 3, "minute": 47}
